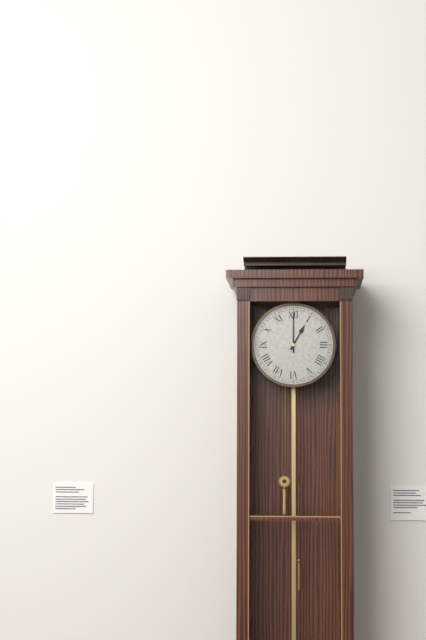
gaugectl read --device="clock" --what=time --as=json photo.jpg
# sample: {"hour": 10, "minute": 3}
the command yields {"hour": 1, "minute": 0}
